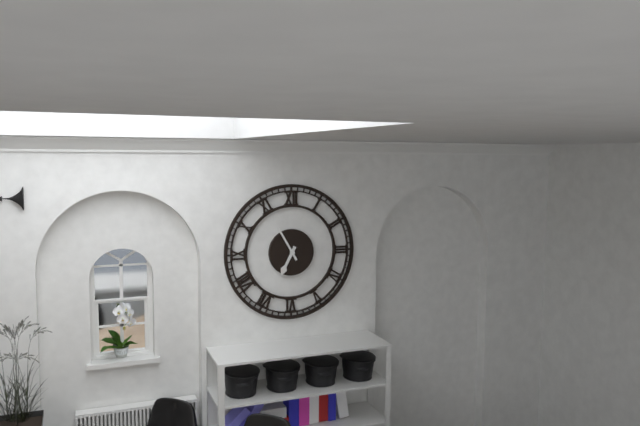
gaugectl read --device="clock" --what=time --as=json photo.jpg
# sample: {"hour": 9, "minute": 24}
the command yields {"hour": 6, "minute": 55}
